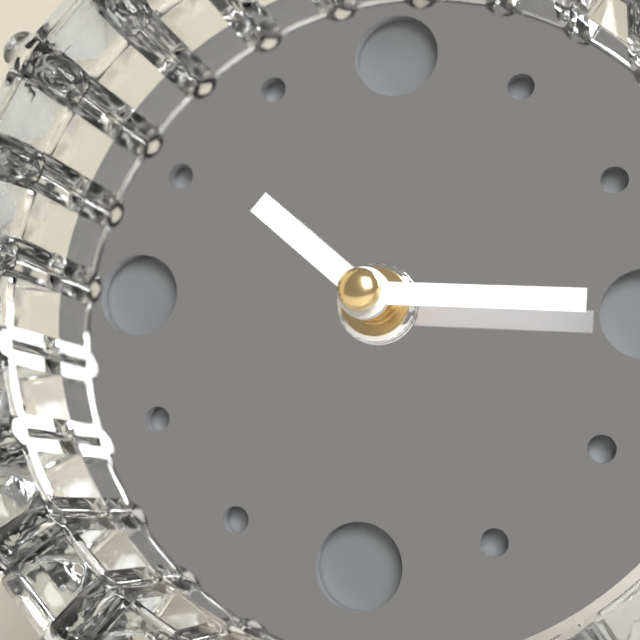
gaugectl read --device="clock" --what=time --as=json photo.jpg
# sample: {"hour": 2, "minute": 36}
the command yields {"hour": 10, "minute": 15}
